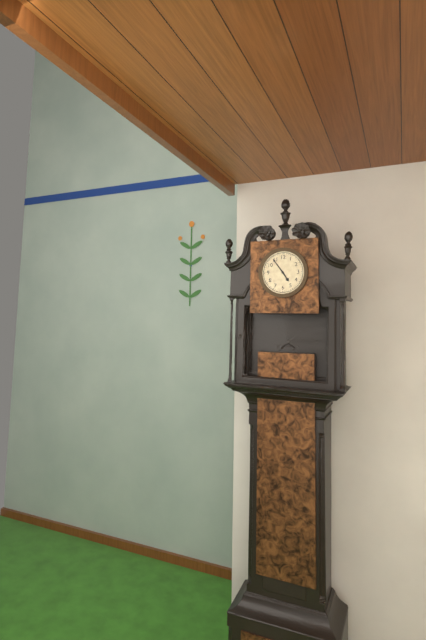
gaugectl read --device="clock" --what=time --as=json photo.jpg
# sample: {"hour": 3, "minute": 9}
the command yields {"hour": 4, "minute": 54}
